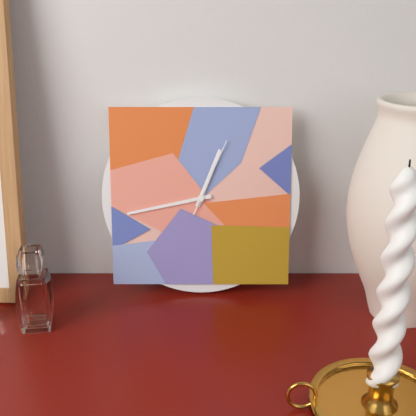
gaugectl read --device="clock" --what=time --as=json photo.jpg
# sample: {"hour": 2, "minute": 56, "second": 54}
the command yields {"hour": 12, "minute": 43, "second": 4}
